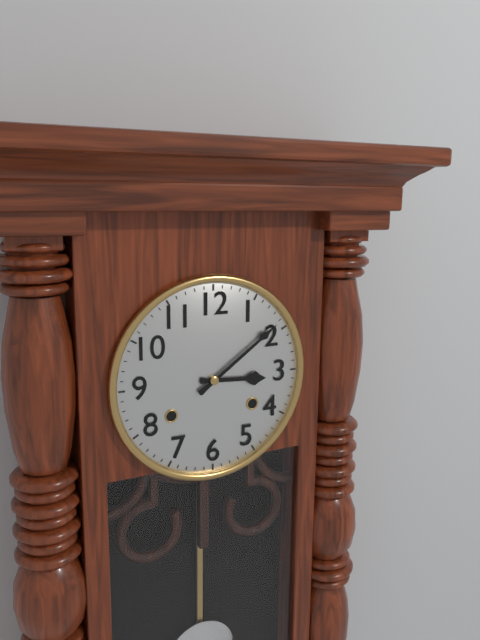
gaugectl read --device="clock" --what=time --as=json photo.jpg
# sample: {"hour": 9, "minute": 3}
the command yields {"hour": 3, "minute": 9}
